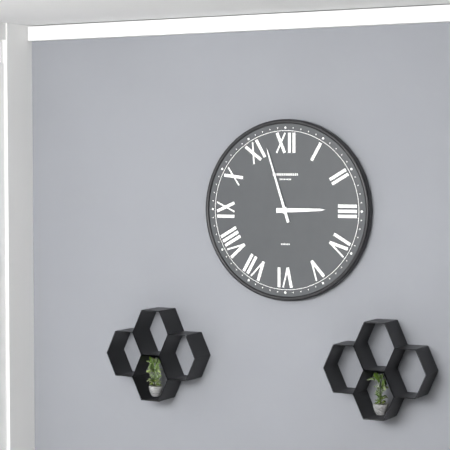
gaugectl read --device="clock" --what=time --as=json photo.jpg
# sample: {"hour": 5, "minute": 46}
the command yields {"hour": 2, "minute": 57}
